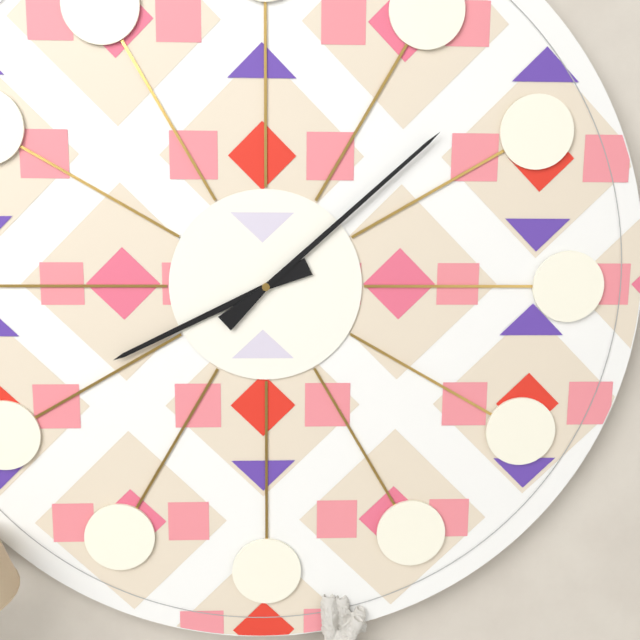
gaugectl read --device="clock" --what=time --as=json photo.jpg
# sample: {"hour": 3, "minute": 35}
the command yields {"hour": 8, "minute": 8}
